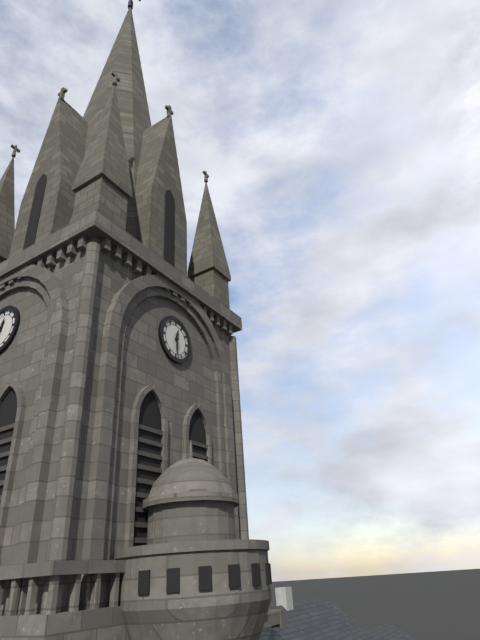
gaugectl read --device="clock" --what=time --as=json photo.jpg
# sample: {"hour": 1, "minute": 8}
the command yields {"hour": 12, "minute": 30}
